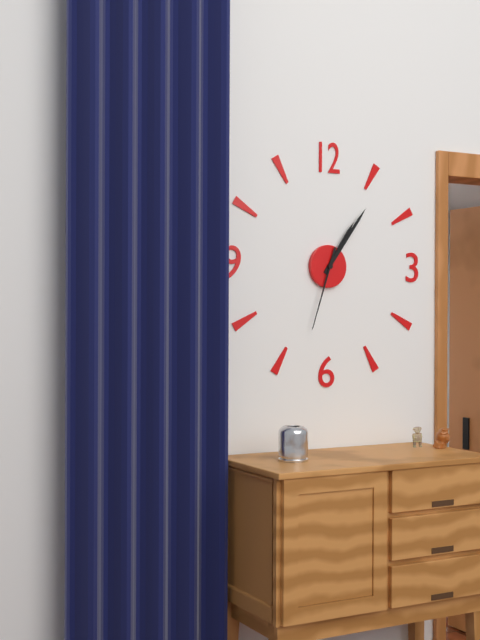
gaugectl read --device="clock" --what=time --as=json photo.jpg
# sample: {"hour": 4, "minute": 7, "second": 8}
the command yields {"hour": 1, "minute": 6, "second": 33}
